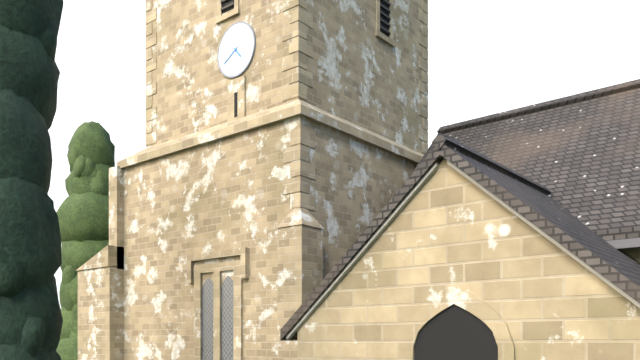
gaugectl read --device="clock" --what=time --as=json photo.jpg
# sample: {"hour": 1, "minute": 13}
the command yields {"hour": 4, "minute": 40}
